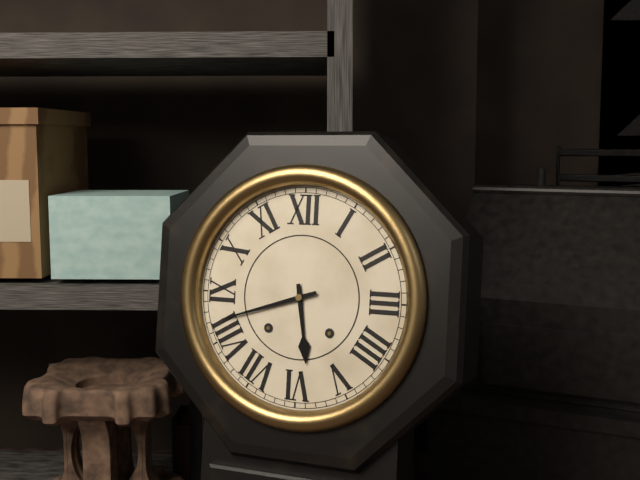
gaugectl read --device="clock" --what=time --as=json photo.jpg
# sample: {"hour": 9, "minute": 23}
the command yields {"hour": 5, "minute": 42}
